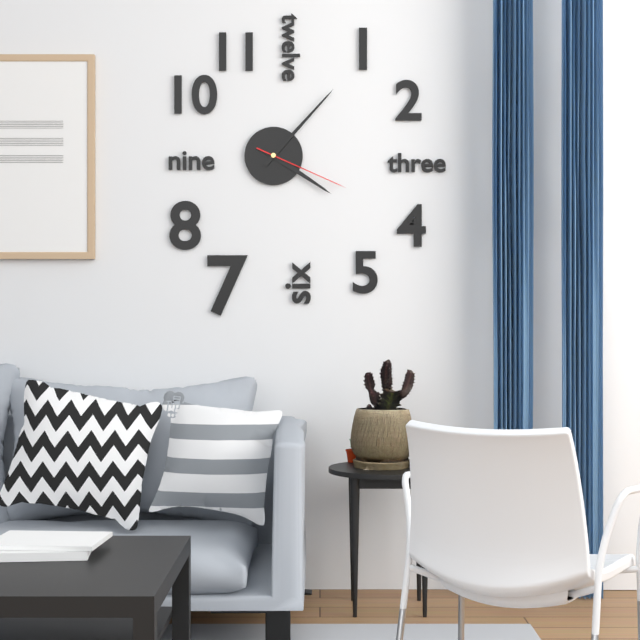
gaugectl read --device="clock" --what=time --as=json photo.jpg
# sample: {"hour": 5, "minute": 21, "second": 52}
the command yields {"hour": 4, "minute": 7, "second": 19}
